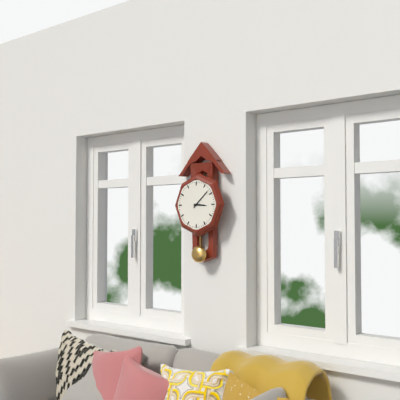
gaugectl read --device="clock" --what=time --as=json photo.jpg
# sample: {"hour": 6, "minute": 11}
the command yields {"hour": 3, "minute": 8}
